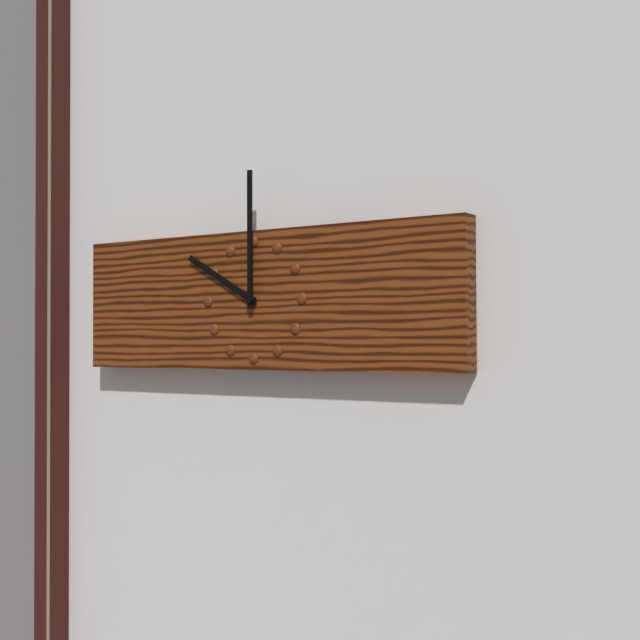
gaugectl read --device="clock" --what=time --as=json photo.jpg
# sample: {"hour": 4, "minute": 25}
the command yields {"hour": 10, "minute": 0}
